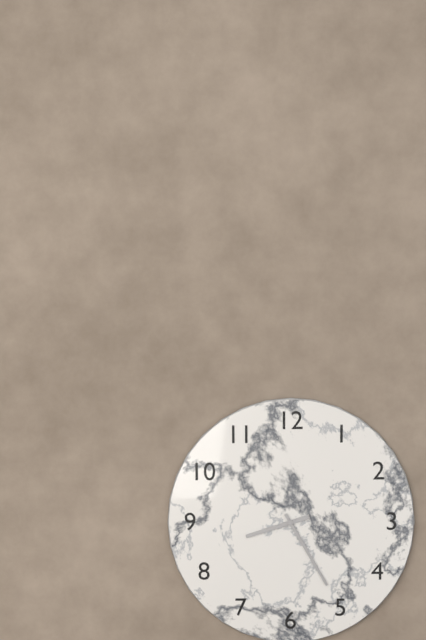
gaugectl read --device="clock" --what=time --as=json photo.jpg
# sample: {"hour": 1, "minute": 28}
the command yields {"hour": 8, "minute": 25}
